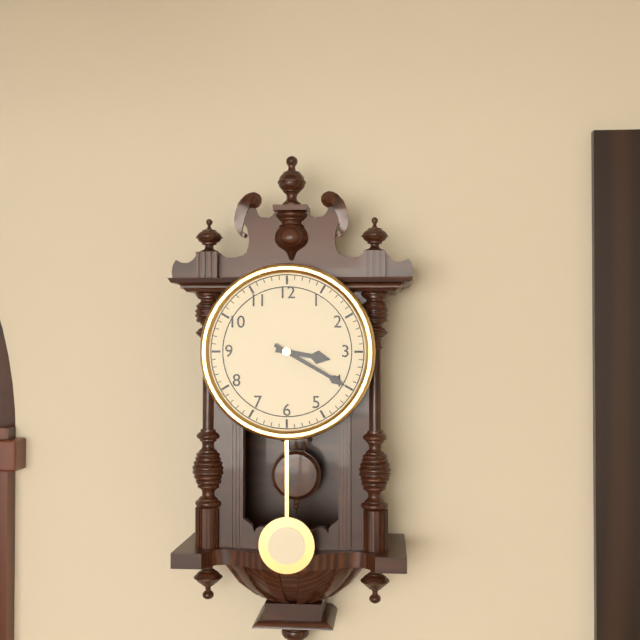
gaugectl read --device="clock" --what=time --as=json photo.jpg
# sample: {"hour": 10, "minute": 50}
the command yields {"hour": 3, "minute": 20}
